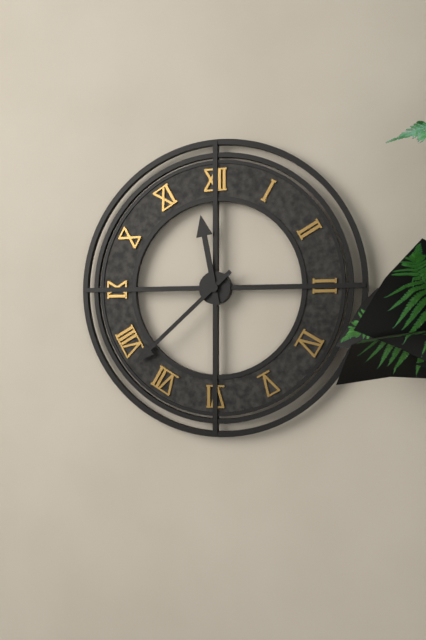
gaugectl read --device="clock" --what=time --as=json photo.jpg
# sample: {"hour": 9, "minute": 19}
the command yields {"hour": 11, "minute": 38}
